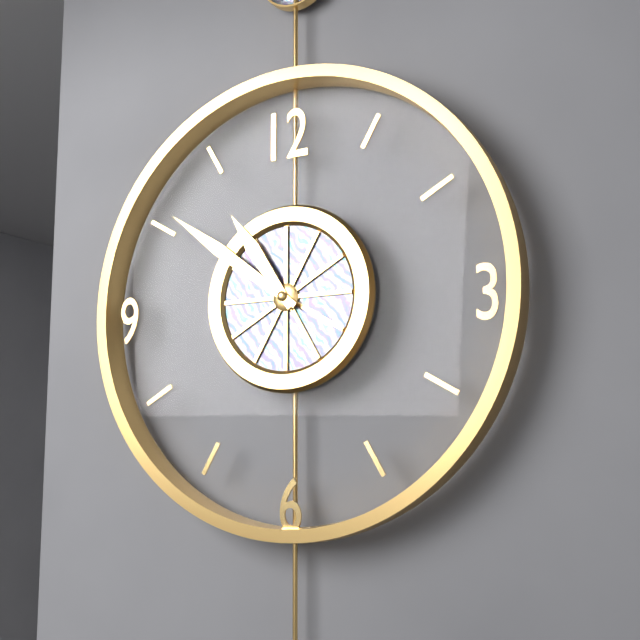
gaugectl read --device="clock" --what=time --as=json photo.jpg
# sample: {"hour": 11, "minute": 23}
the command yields {"hour": 10, "minute": 51}
